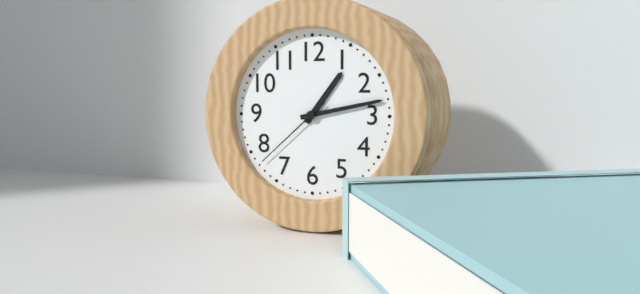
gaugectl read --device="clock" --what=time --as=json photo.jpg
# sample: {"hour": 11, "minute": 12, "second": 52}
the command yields {"hour": 1, "minute": 13, "second": 38}
